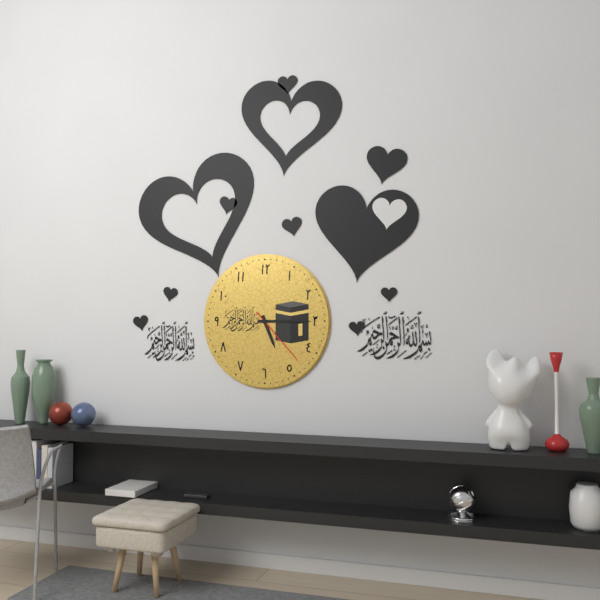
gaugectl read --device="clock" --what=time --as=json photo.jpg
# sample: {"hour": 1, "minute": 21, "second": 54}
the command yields {"hour": 5, "minute": 15, "second": 23}
